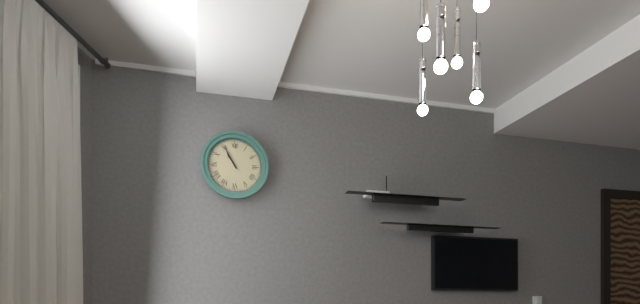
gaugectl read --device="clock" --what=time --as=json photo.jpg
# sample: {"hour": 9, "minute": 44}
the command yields {"hour": 10, "minute": 55}
